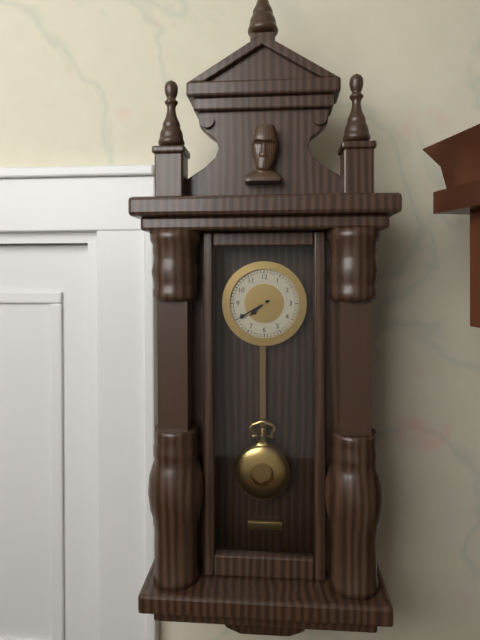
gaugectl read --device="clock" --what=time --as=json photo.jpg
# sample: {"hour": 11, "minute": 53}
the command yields {"hour": 7, "minute": 40}
